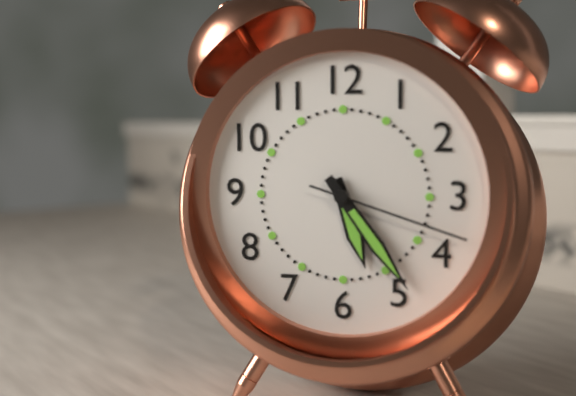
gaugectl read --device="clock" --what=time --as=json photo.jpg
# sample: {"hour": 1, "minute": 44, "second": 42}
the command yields {"hour": 5, "minute": 24, "second": 18}
